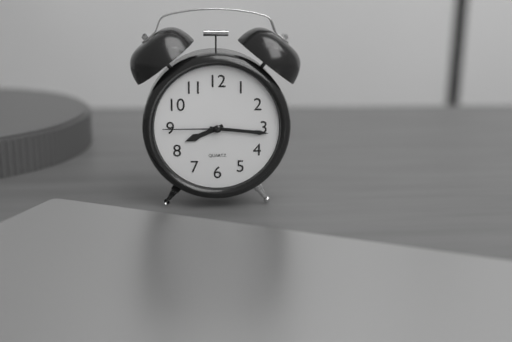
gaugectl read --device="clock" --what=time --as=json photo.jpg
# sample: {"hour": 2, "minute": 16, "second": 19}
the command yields {"hour": 8, "minute": 16, "second": 45}
